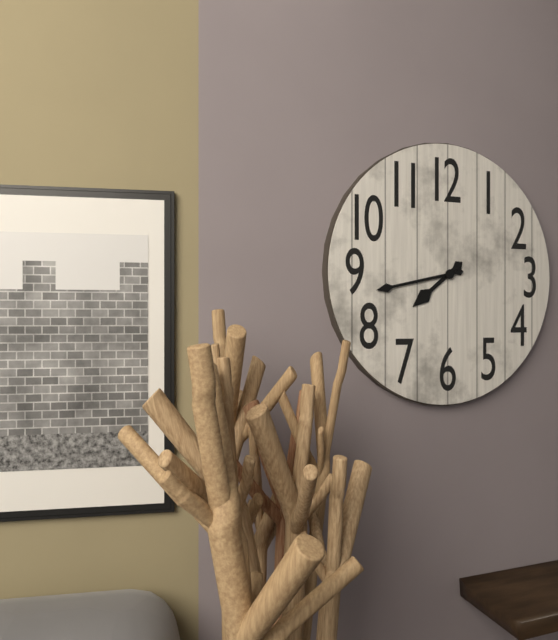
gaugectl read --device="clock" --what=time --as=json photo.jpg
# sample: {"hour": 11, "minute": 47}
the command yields {"hour": 7, "minute": 43}
